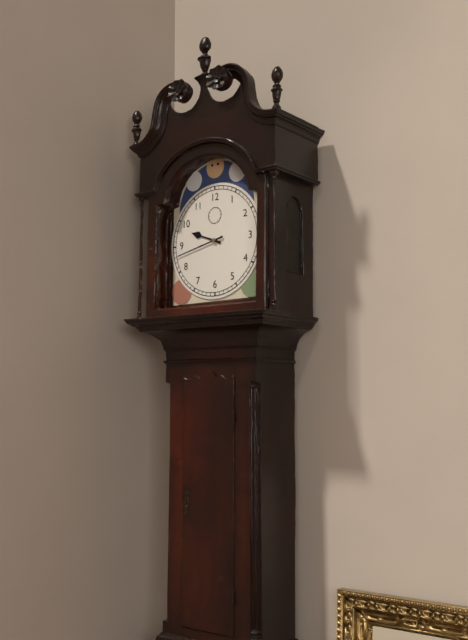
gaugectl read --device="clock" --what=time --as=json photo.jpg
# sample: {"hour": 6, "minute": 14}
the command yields {"hour": 9, "minute": 43}
